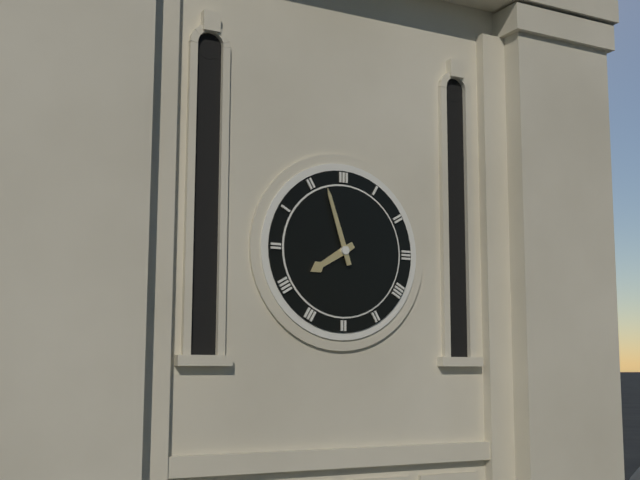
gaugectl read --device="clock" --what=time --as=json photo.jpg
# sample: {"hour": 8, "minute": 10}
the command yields {"hour": 7, "minute": 57}
